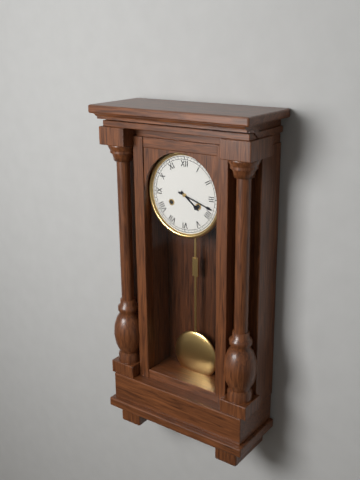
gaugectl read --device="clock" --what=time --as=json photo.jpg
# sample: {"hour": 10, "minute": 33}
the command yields {"hour": 4, "minute": 18}
